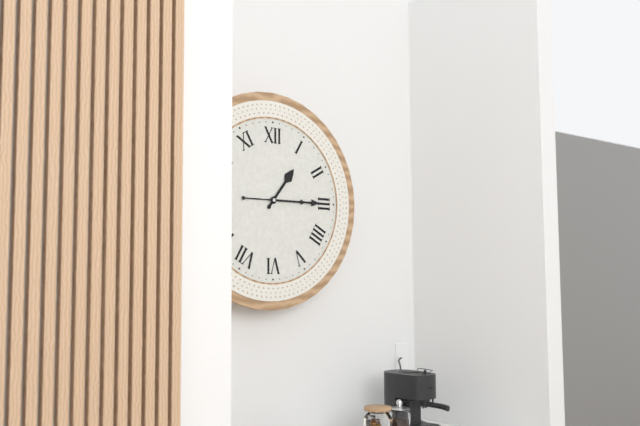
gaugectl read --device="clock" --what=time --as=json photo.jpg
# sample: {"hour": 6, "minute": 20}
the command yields {"hour": 1, "minute": 15}
